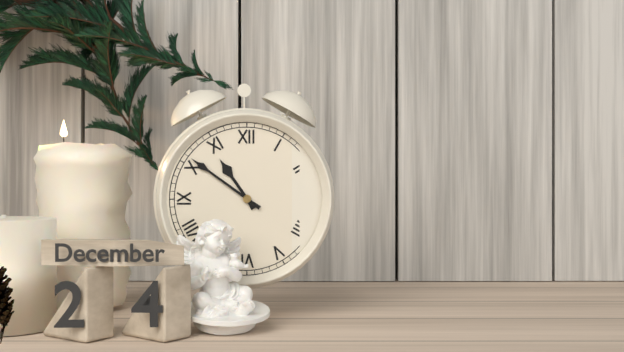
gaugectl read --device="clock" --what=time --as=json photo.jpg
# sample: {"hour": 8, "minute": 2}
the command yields {"hour": 10, "minute": 51}
